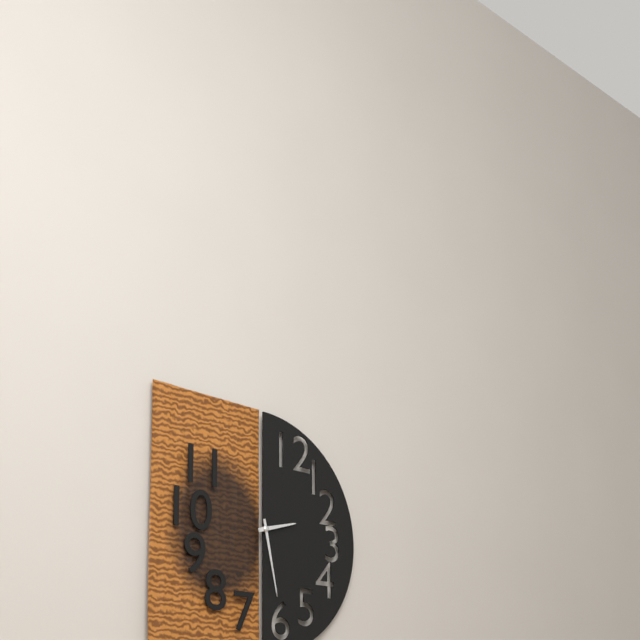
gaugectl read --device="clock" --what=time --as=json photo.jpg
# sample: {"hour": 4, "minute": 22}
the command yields {"hour": 2, "minute": 28}
